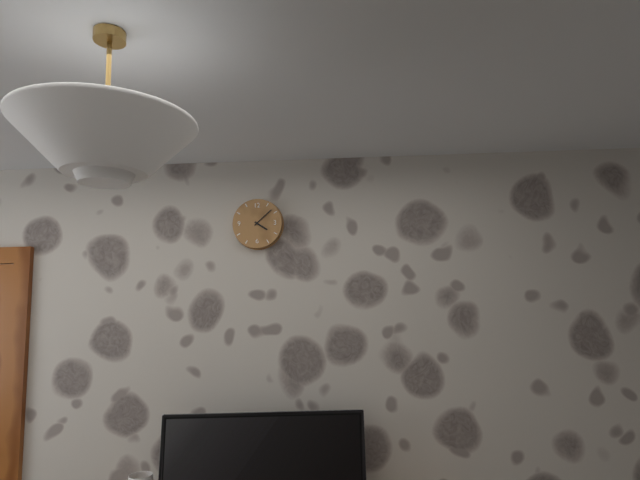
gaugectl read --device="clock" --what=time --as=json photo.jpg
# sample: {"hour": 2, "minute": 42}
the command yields {"hour": 4, "minute": 8}
